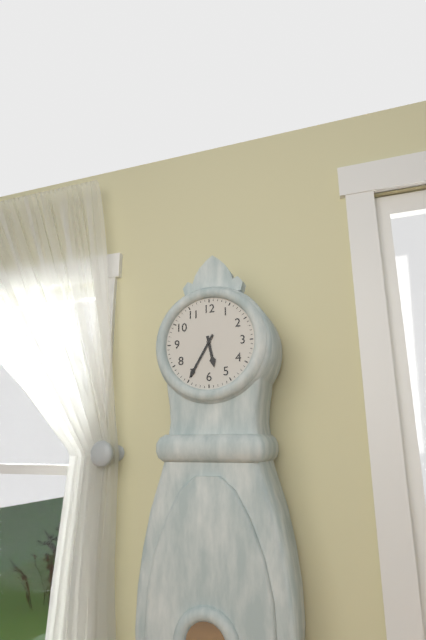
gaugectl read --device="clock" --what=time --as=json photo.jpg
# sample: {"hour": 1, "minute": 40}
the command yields {"hour": 5, "minute": 35}
